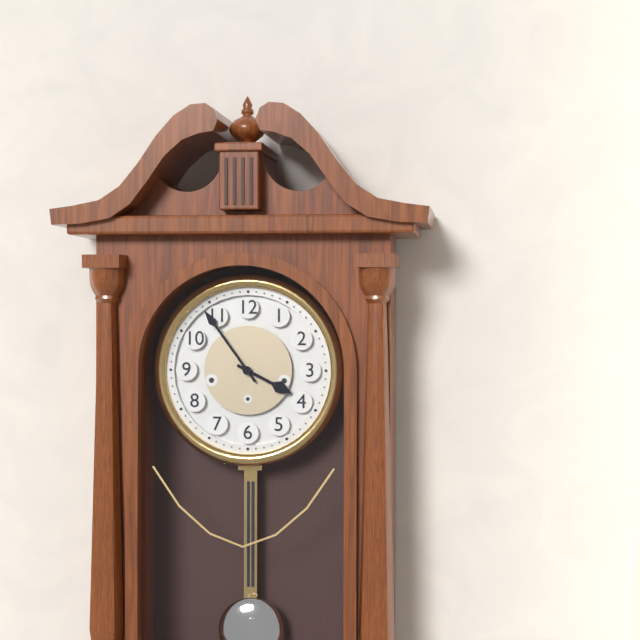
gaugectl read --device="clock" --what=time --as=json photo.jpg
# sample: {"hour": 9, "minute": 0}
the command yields {"hour": 3, "minute": 54}
